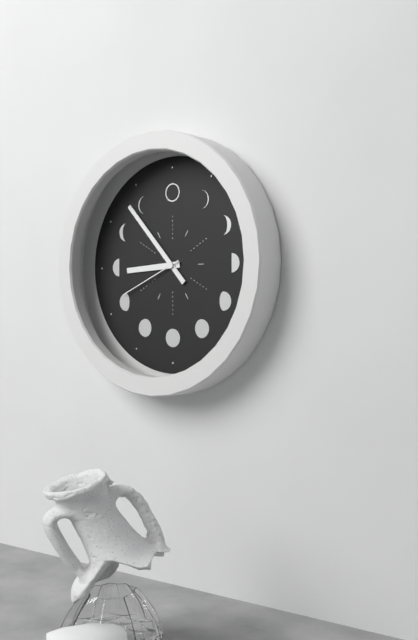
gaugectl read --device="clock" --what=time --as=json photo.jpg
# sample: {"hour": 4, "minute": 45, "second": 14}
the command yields {"hour": 8, "minute": 53, "second": 41}
